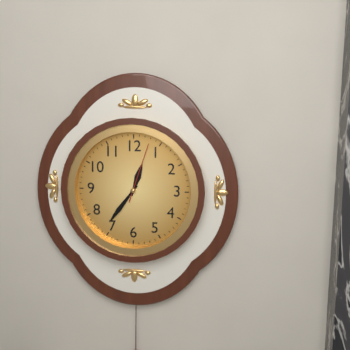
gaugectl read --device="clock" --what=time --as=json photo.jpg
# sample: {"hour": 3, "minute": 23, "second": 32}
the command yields {"hour": 12, "minute": 36, "second": 3}
